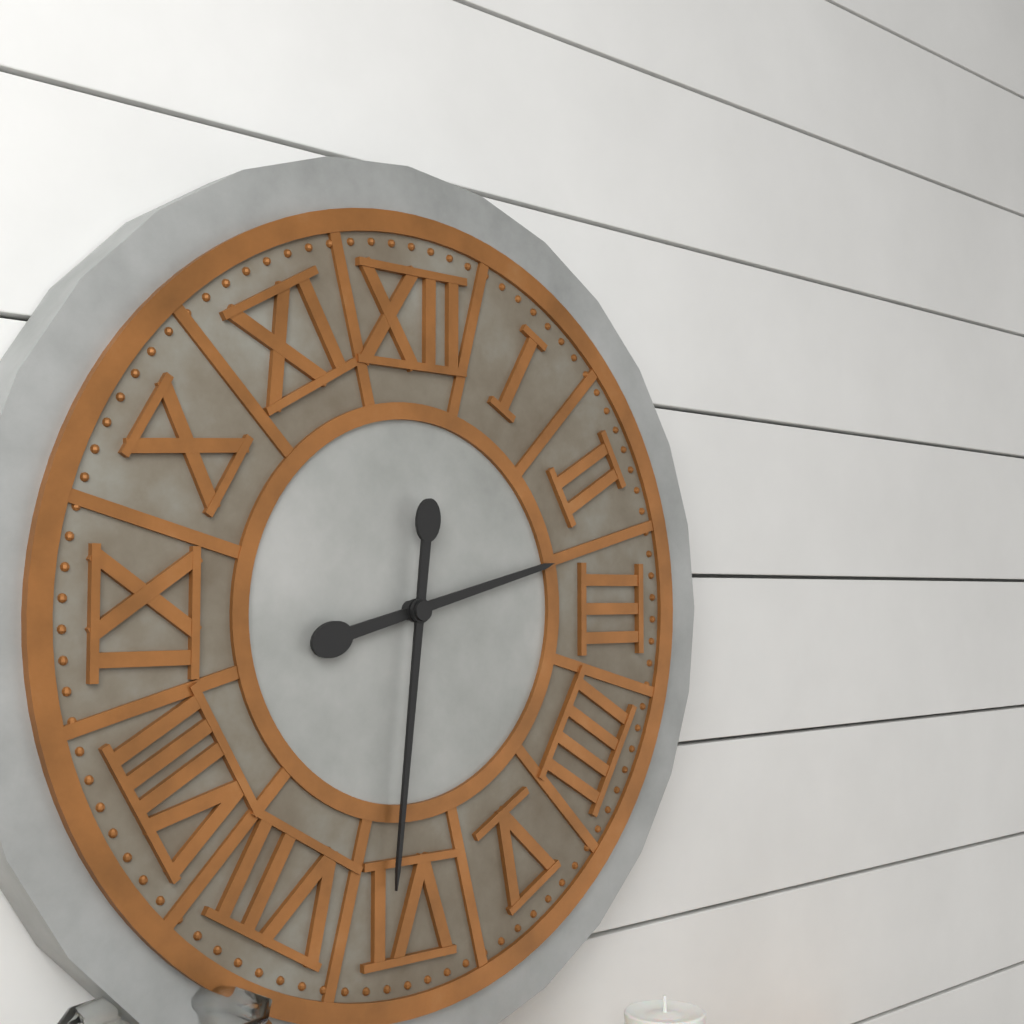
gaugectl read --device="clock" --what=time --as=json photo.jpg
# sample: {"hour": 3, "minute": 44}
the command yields {"hour": 2, "minute": 31}
